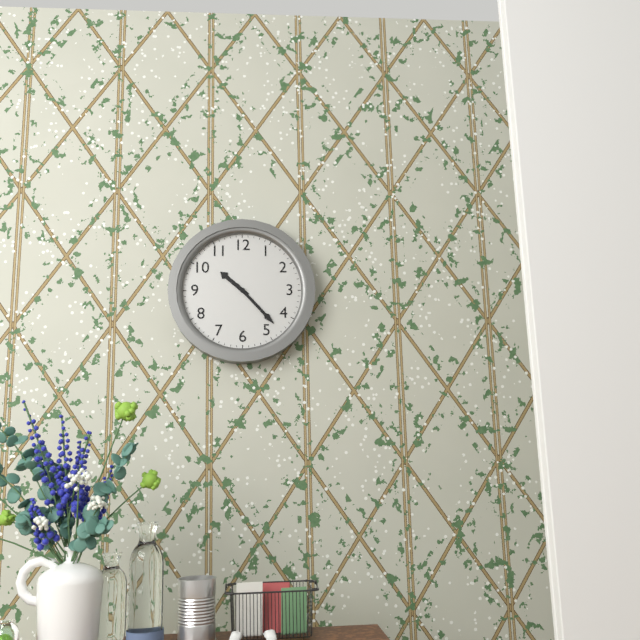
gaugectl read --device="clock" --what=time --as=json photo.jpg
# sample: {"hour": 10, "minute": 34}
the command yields {"hour": 10, "minute": 23}
